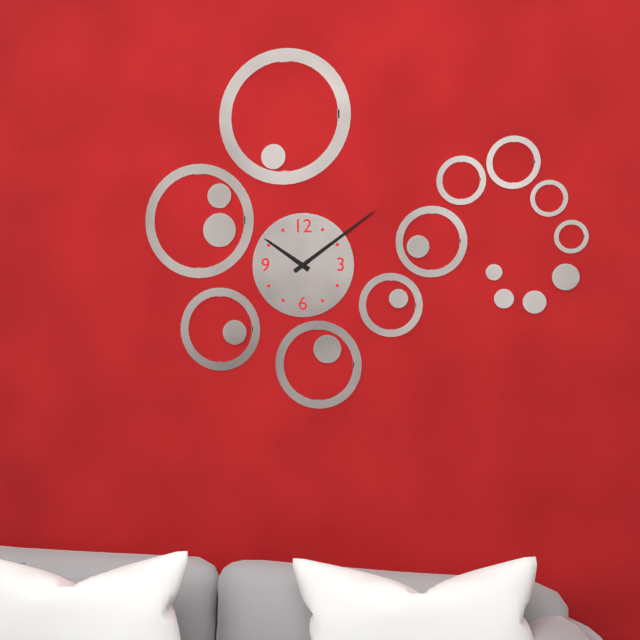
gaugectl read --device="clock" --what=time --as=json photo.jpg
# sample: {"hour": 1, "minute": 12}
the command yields {"hour": 10, "minute": 9}
